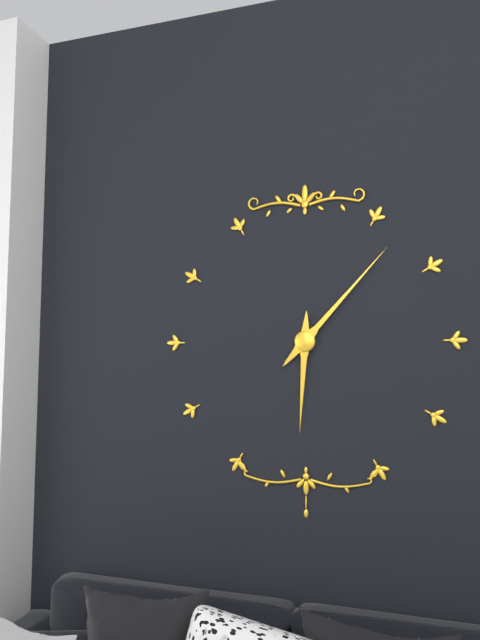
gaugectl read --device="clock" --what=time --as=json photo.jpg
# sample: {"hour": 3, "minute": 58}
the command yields {"hour": 6, "minute": 7}
